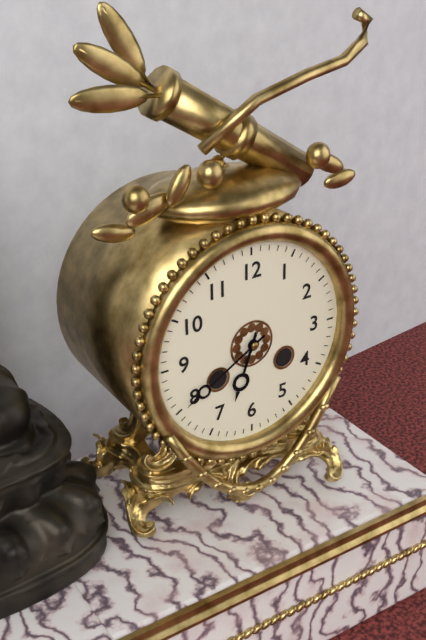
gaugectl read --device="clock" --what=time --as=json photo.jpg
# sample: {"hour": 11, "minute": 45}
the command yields {"hour": 6, "minute": 40}
